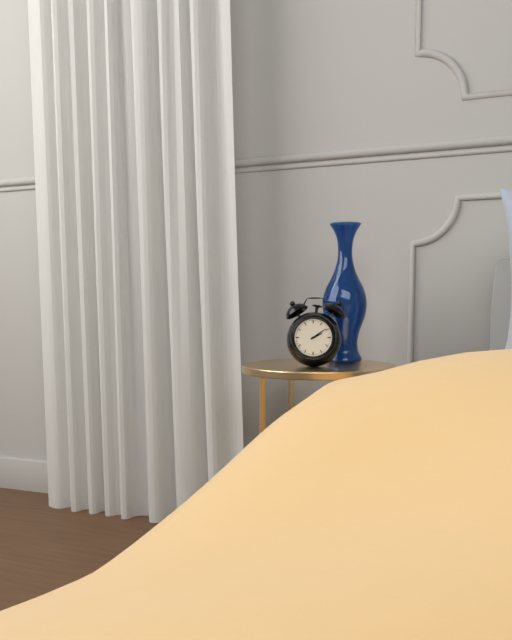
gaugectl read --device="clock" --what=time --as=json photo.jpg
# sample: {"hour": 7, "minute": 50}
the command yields {"hour": 2, "minute": 9}
